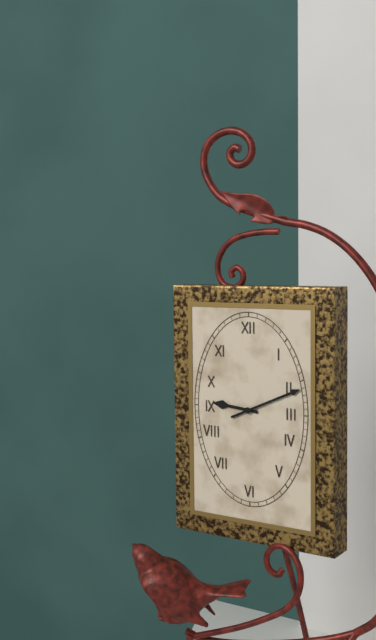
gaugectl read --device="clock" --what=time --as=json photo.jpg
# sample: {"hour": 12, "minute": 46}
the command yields {"hour": 9, "minute": 11}
